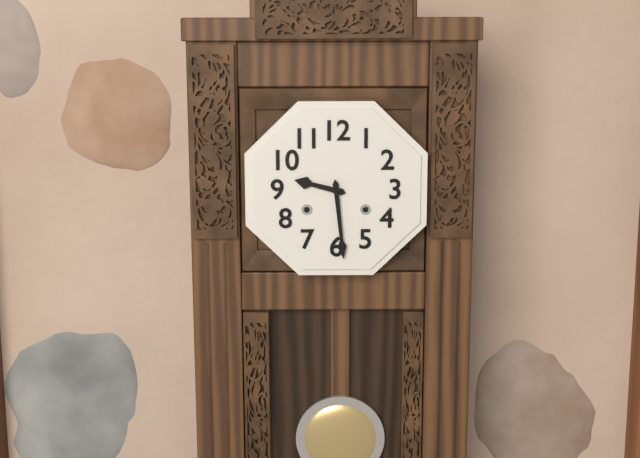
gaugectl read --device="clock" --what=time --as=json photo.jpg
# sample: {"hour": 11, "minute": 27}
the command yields {"hour": 9, "minute": 29}
